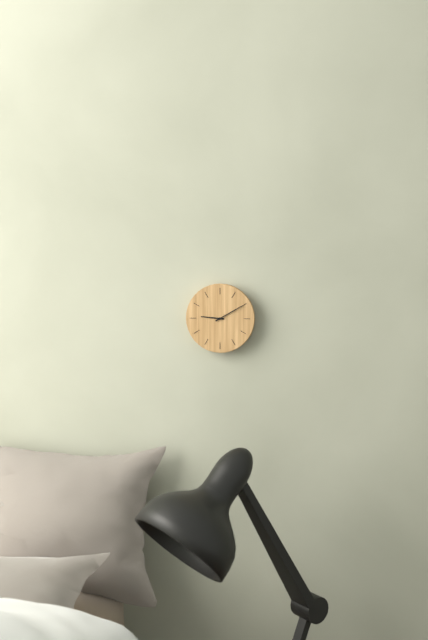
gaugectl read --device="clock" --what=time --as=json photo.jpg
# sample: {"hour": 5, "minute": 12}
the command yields {"hour": 9, "minute": 10}
